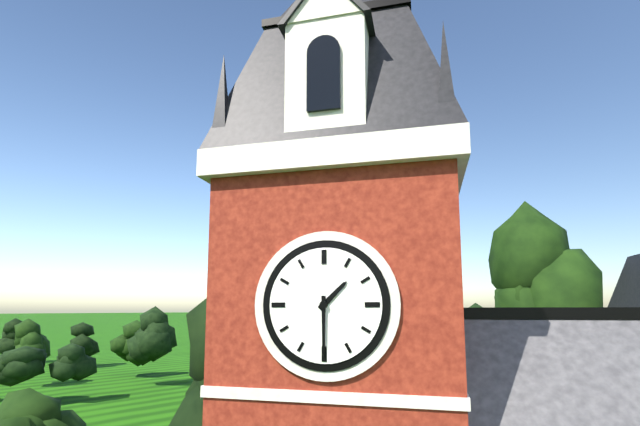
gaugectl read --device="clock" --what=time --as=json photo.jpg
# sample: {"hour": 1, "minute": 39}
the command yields {"hour": 1, "minute": 30}
